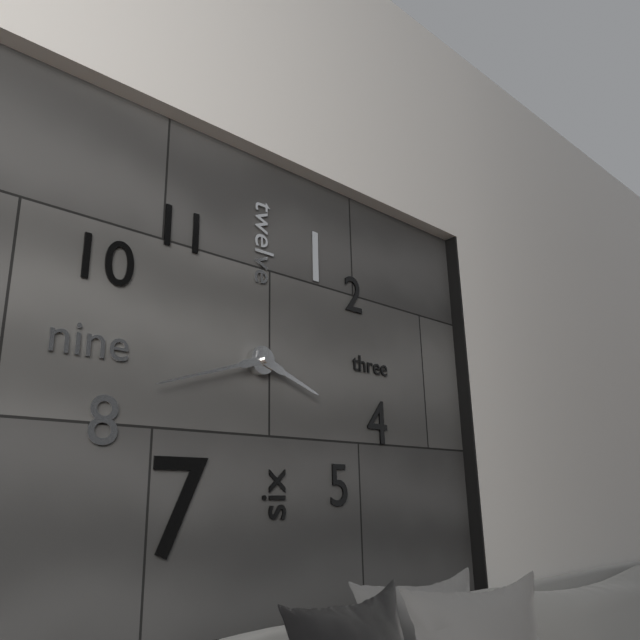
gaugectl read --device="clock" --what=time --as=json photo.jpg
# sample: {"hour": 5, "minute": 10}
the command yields {"hour": 3, "minute": 42}
